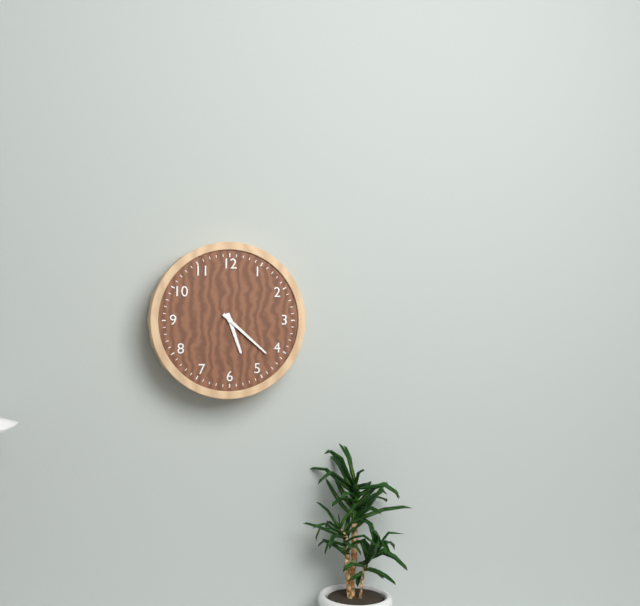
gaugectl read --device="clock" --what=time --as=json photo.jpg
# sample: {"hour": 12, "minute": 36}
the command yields {"hour": 5, "minute": 22}
